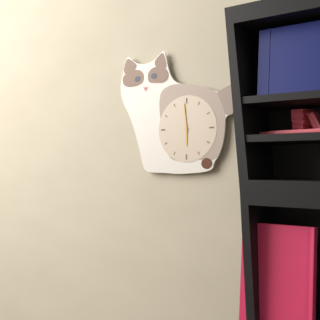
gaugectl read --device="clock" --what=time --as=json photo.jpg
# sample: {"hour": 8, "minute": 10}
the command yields {"hour": 5, "minute": 59}
